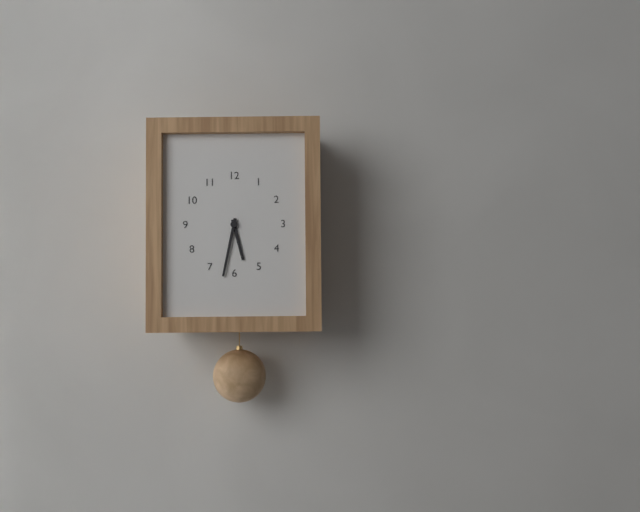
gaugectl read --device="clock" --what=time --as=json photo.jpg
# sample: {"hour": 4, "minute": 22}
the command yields {"hour": 5, "minute": 32}
